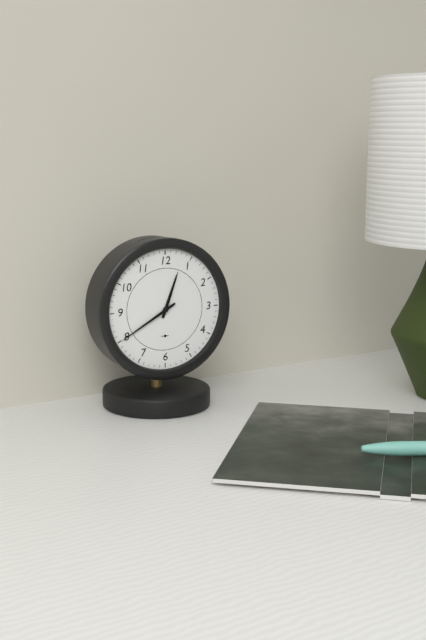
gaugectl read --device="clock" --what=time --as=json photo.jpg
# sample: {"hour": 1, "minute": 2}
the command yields {"hour": 12, "minute": 40}
